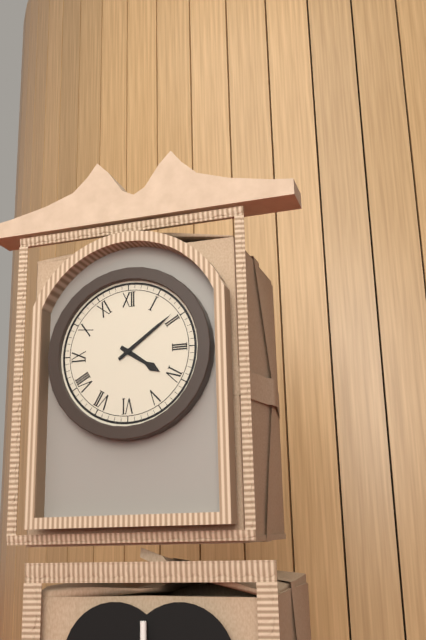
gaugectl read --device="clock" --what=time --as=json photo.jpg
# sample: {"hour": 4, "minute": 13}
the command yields {"hour": 4, "minute": 9}
